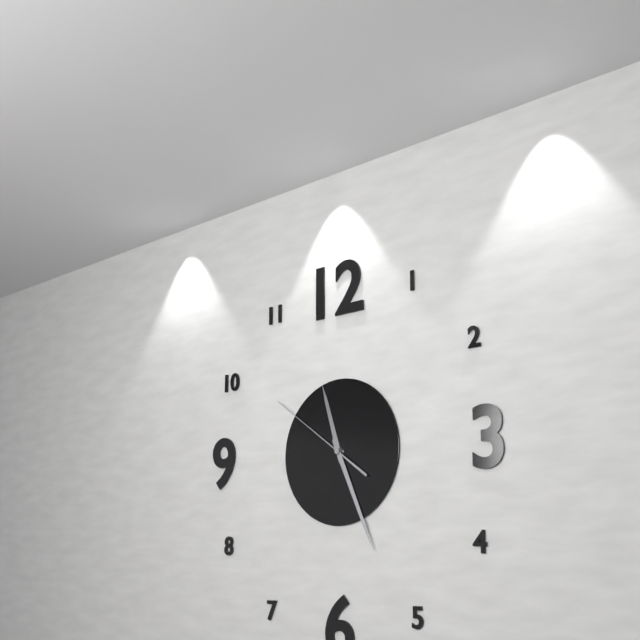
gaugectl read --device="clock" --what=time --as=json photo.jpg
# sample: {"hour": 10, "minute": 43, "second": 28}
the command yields {"hour": 11, "minute": 26, "second": 51}
